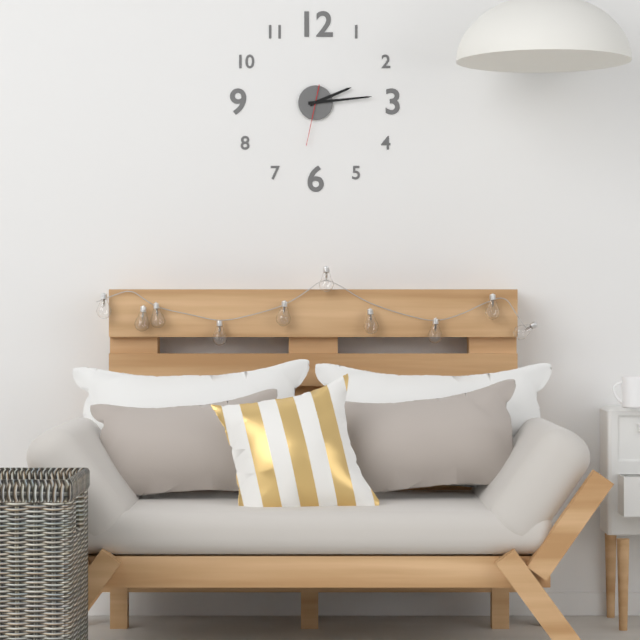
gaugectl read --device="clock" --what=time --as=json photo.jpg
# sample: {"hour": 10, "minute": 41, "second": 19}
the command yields {"hour": 2, "minute": 14, "second": 32}
